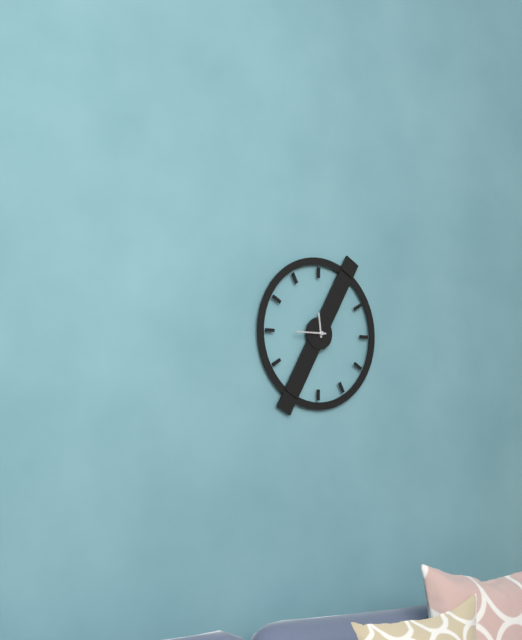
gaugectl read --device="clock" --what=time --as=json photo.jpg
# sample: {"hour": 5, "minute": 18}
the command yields {"hour": 11, "minute": 45}
